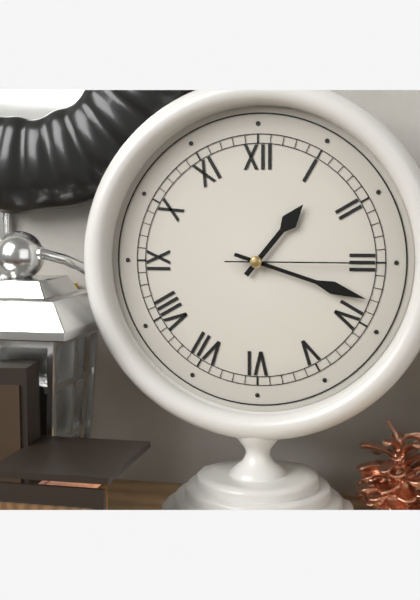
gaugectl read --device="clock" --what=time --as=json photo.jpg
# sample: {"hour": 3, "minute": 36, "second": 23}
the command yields {"hour": 1, "minute": 18, "second": 15}
